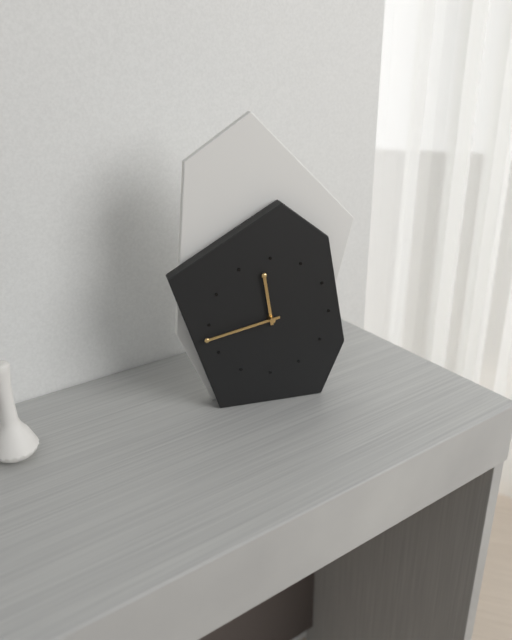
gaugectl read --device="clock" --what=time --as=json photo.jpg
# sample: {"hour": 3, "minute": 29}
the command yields {"hour": 11, "minute": 43}
